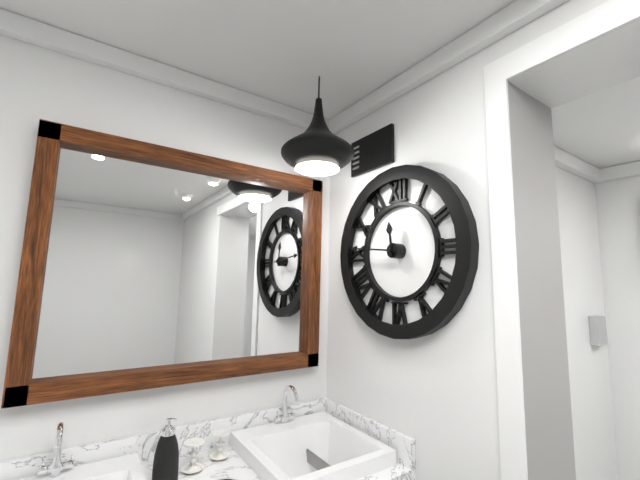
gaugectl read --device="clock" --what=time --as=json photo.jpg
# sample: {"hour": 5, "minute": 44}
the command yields {"hour": 11, "minute": 46}
